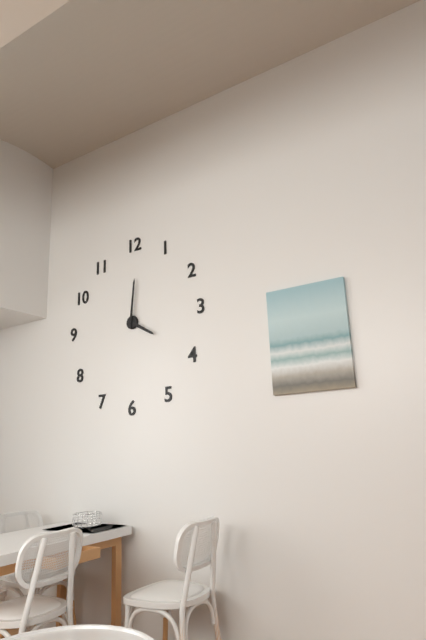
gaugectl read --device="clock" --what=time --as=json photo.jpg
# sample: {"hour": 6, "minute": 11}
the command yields {"hour": 4, "minute": 1}
